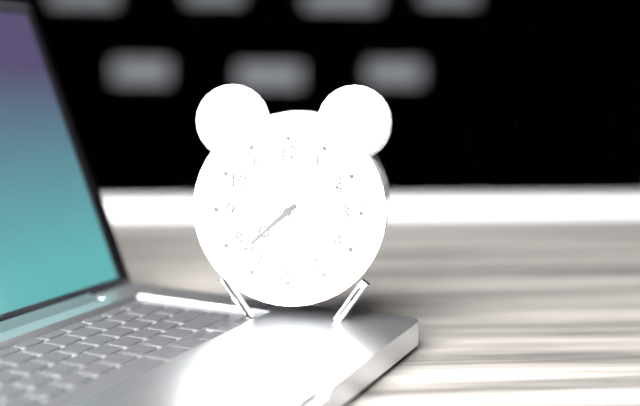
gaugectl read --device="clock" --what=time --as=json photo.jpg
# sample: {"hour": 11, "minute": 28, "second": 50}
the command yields {"hour": 7, "minute": 38, "second": 57}
